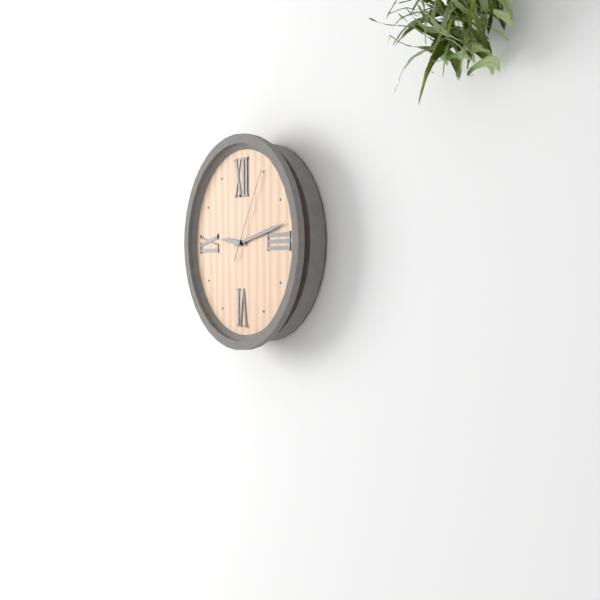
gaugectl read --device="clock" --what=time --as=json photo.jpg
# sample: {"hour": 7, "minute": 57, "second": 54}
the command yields {"hour": 9, "minute": 13, "second": 5}
